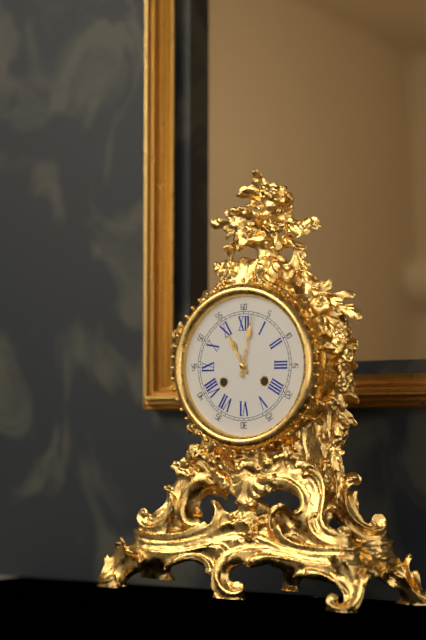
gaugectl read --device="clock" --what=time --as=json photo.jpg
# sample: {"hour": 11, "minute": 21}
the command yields {"hour": 11, "minute": 2}
